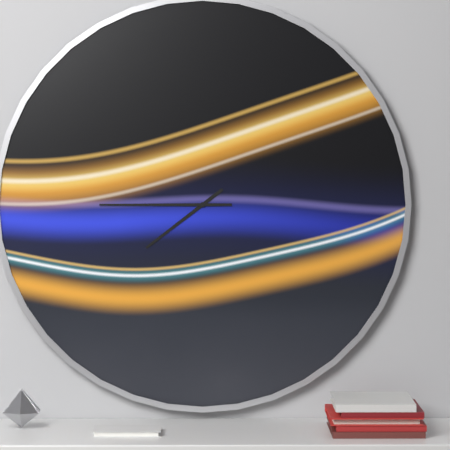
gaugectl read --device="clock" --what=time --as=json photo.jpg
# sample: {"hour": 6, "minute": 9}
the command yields {"hour": 7, "minute": 45}
